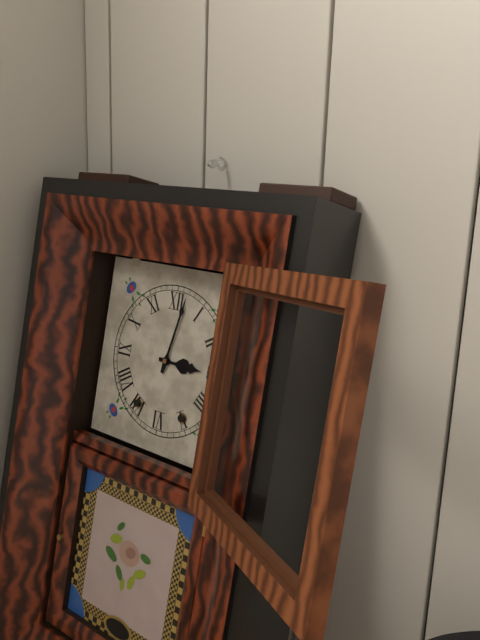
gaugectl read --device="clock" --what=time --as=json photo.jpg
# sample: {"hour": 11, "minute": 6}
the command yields {"hour": 3, "minute": 2}
